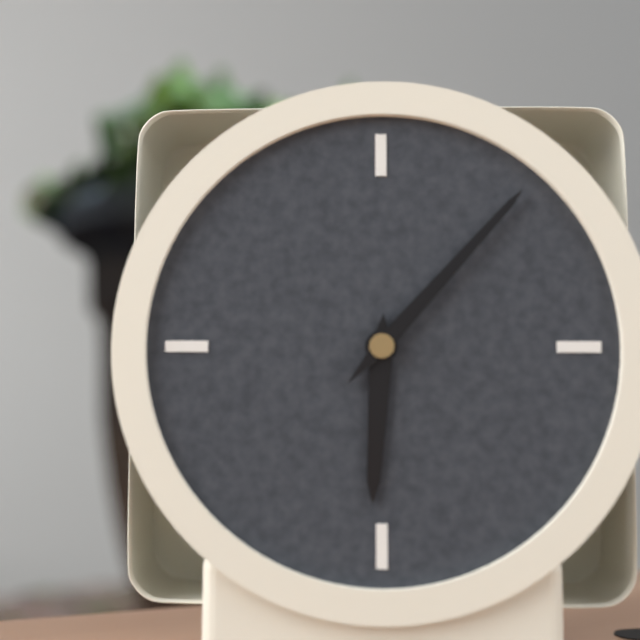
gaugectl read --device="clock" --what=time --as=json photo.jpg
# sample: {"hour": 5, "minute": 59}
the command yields {"hour": 6, "minute": 7}
